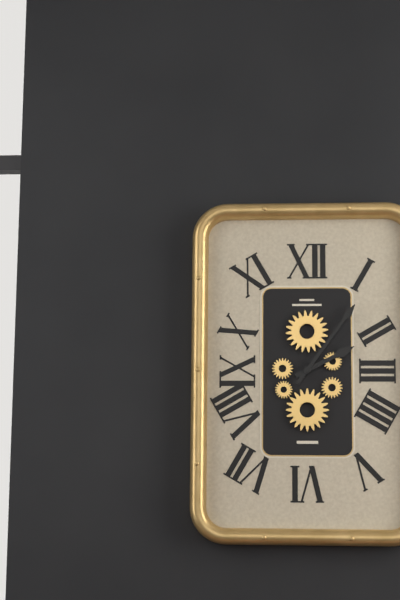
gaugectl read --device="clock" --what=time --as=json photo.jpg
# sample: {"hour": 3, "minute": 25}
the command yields {"hour": 2, "minute": 6}
